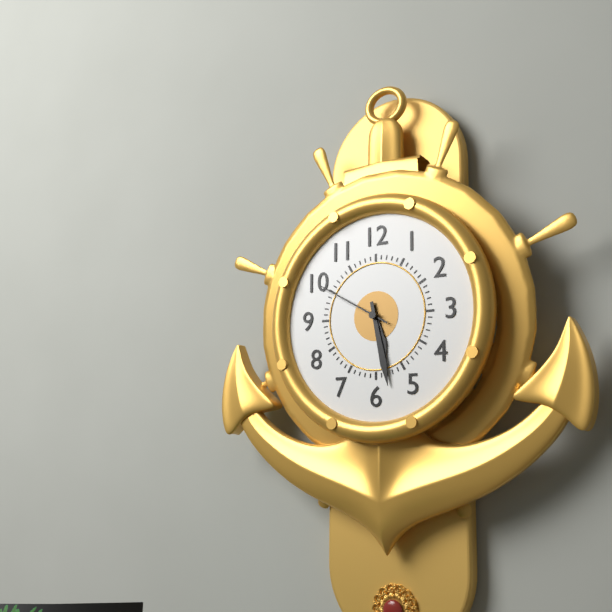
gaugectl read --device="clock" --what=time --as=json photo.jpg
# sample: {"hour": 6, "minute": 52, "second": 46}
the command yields {"hour": 5, "minute": 28, "second": 50}
